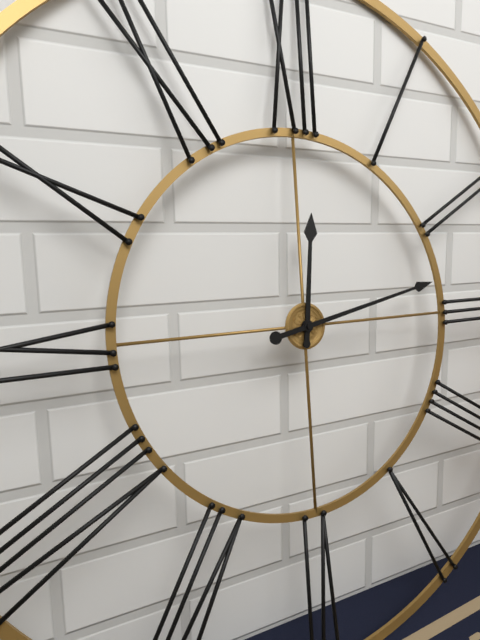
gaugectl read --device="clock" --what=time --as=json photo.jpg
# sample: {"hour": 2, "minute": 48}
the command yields {"hour": 12, "minute": 13}
